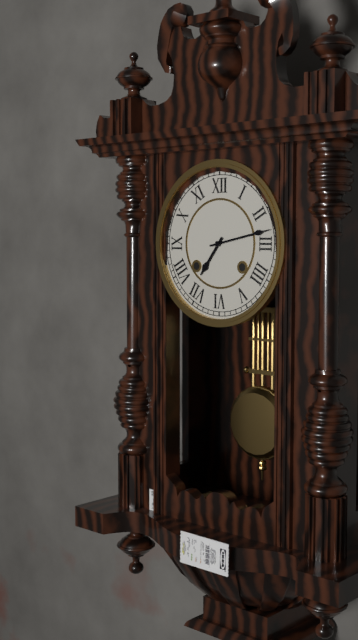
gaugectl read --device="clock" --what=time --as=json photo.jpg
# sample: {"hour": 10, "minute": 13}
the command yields {"hour": 7, "minute": 13}
